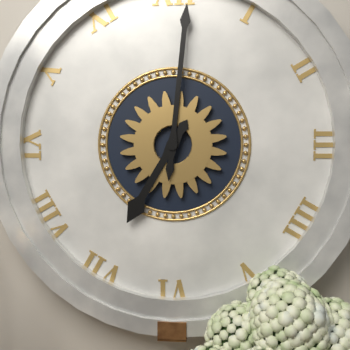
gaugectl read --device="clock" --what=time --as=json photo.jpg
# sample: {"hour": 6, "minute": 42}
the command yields {"hour": 7, "minute": 1}
